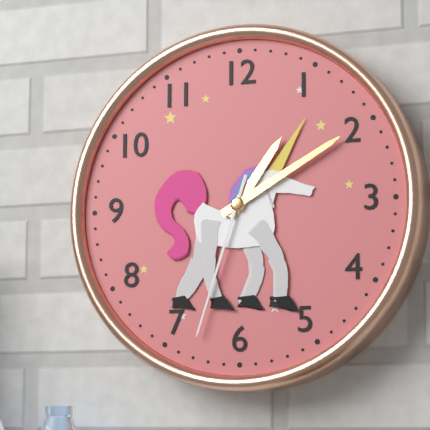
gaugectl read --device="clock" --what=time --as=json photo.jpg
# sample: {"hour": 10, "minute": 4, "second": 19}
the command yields {"hour": 1, "minute": 10, "second": 33}
